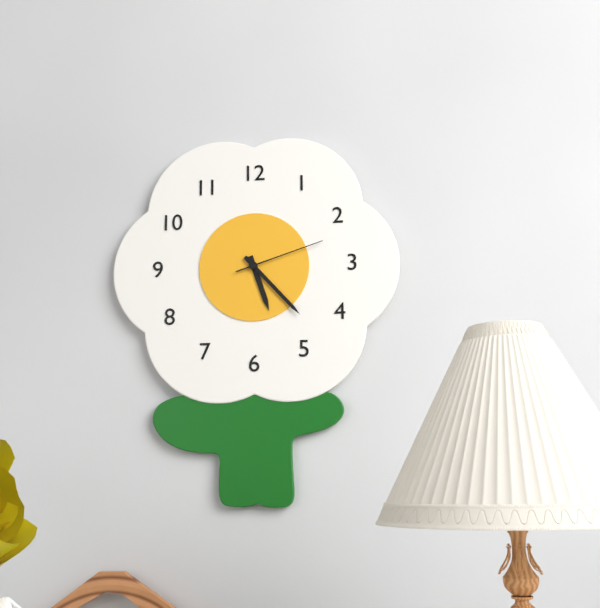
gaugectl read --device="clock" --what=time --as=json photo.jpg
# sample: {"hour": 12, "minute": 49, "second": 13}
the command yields {"hour": 5, "minute": 23, "second": 12}
